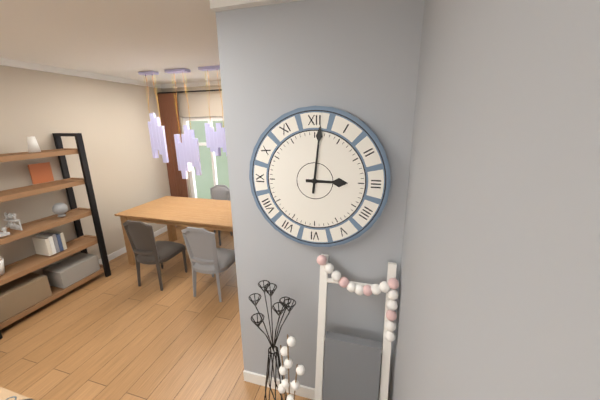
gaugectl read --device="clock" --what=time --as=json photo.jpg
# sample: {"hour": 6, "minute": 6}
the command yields {"hour": 3, "minute": 1}
